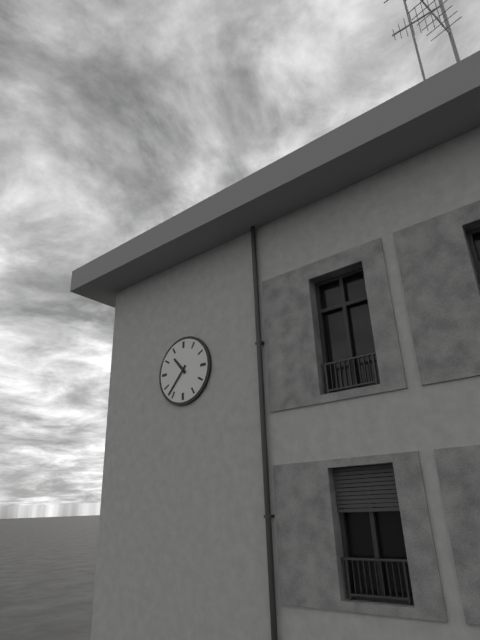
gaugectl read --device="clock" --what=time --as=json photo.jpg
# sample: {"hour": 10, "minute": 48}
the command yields {"hour": 10, "minute": 37}
